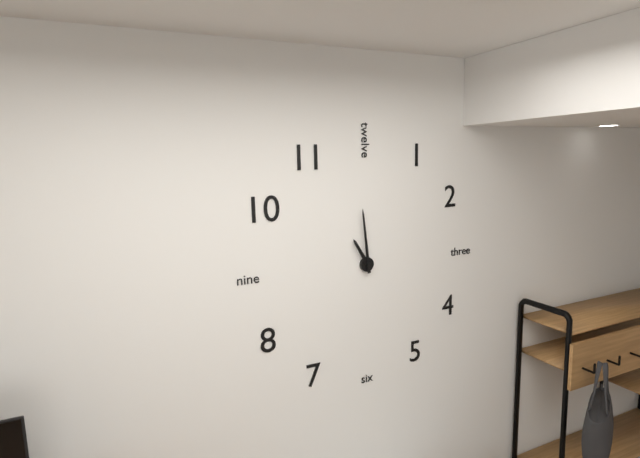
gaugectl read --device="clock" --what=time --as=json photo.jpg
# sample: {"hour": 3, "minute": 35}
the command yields {"hour": 10, "minute": 59}
